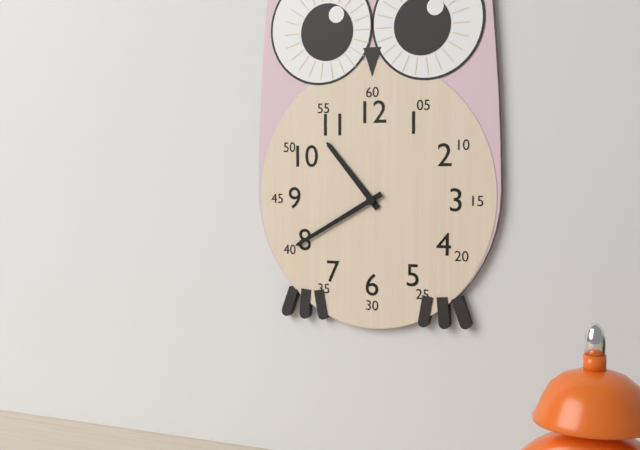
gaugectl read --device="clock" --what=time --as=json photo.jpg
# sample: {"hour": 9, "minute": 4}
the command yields {"hour": 10, "minute": 40}
